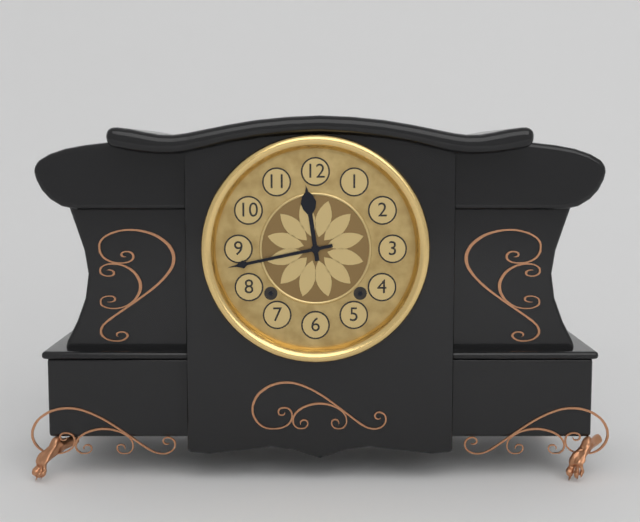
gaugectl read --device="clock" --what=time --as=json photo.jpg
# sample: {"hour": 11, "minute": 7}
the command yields {"hour": 11, "minute": 43}
